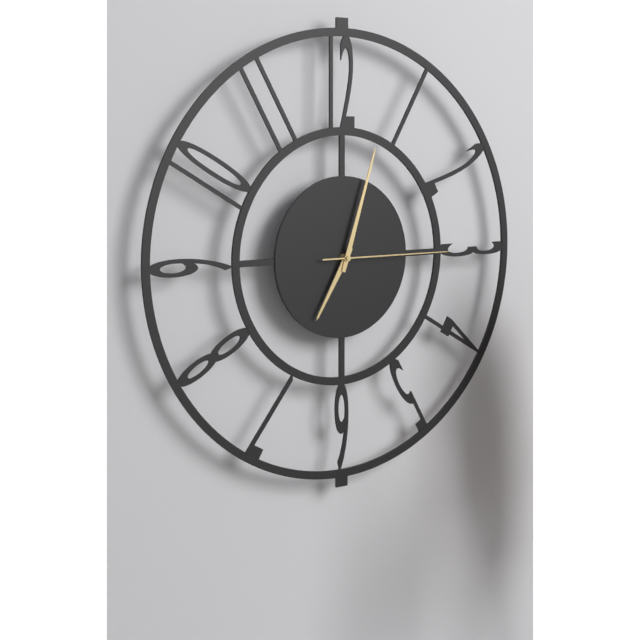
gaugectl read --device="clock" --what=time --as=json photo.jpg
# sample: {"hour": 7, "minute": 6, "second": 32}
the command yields {"hour": 7, "minute": 3, "second": 15}
